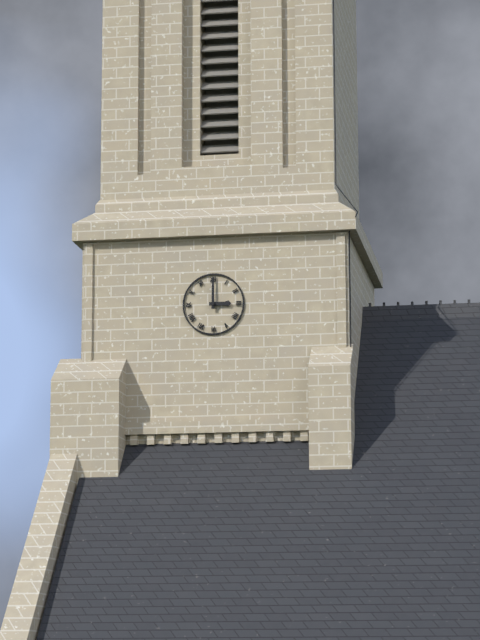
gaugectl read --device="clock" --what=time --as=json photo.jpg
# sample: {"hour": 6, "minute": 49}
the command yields {"hour": 3, "minute": 0}
